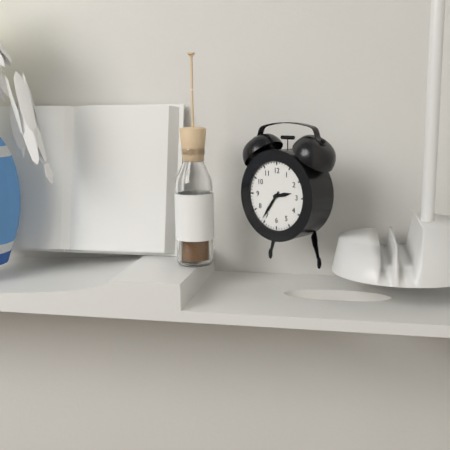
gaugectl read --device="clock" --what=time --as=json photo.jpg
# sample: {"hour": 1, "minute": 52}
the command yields {"hour": 2, "minute": 36}
